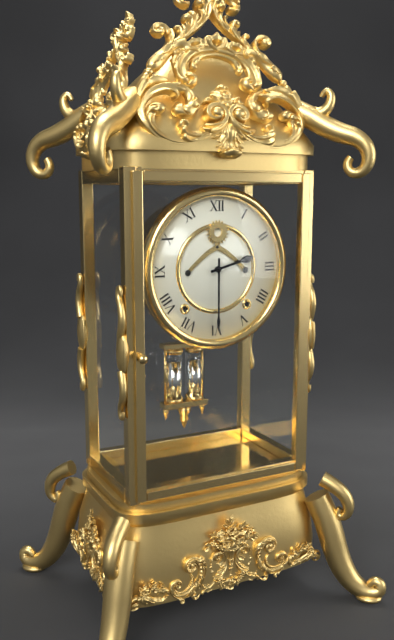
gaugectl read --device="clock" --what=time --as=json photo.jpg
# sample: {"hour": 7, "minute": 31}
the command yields {"hour": 2, "minute": 30}
